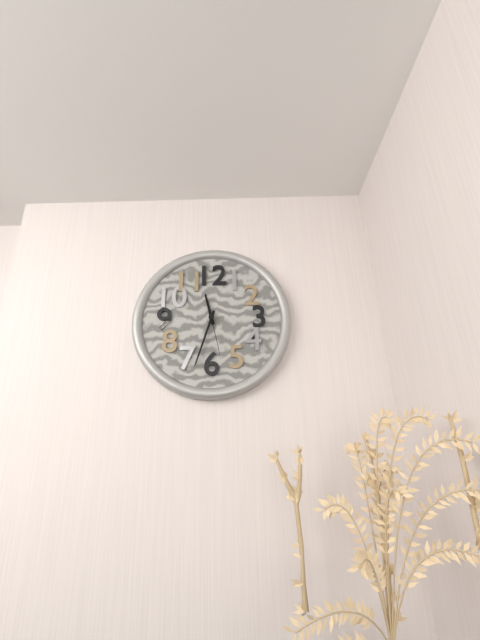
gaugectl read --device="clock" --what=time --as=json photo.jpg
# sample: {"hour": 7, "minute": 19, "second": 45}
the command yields {"hour": 11, "minute": 33, "second": 28}
